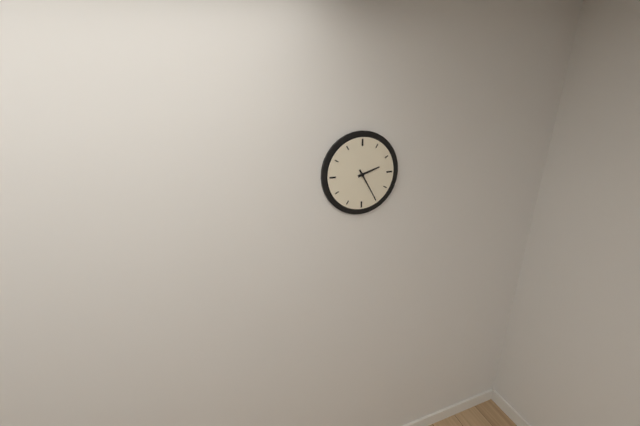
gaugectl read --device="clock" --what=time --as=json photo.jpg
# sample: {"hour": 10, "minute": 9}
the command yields {"hour": 2, "minute": 25}
